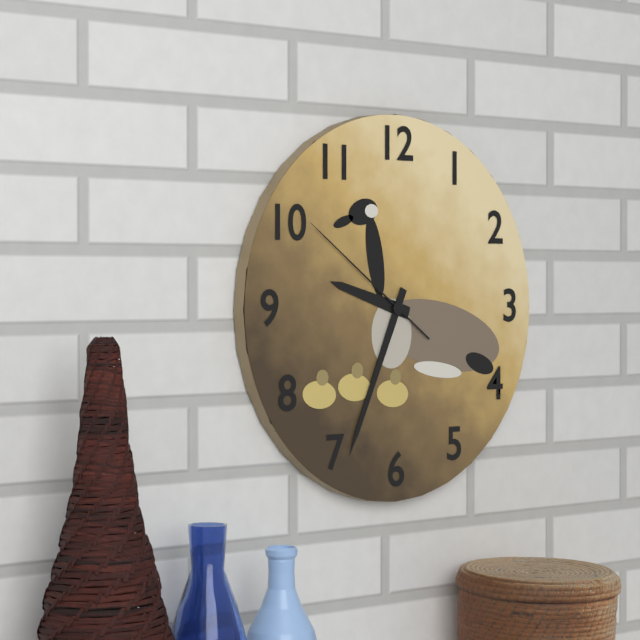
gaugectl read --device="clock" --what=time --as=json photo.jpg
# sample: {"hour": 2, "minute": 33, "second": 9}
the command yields {"hour": 9, "minute": 34, "second": 51}
